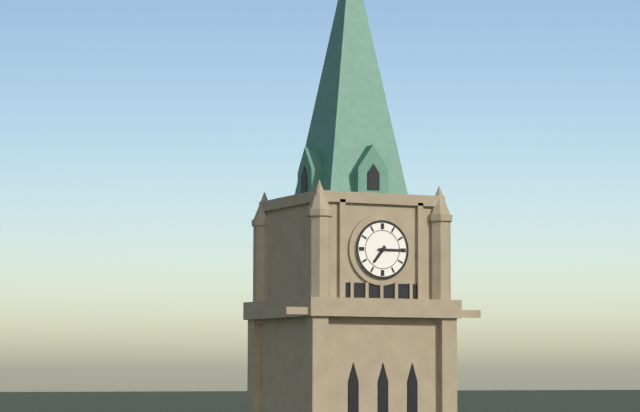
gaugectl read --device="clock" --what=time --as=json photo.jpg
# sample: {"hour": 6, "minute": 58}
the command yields {"hour": 7, "minute": 15}
